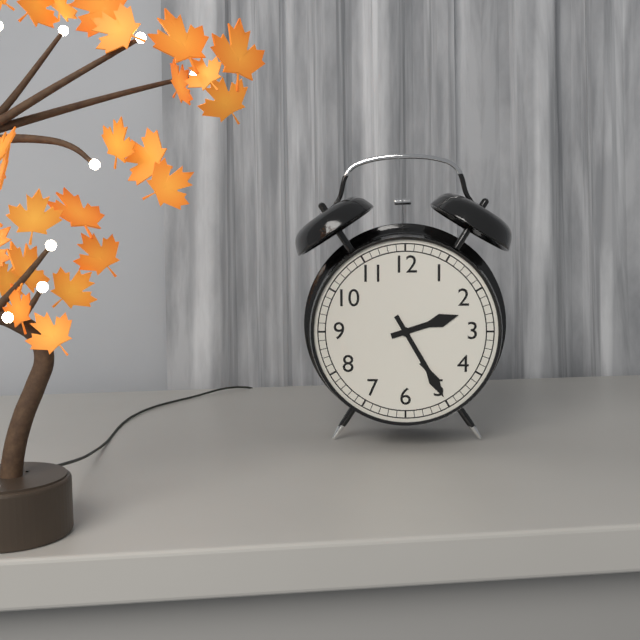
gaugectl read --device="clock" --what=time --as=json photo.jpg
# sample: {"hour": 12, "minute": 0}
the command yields {"hour": 2, "minute": 25}
